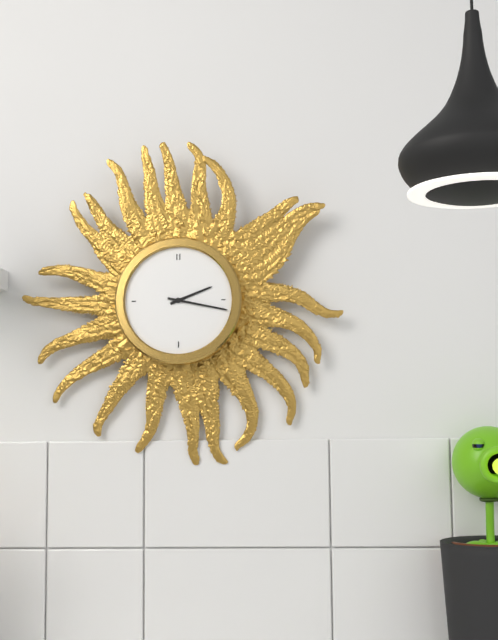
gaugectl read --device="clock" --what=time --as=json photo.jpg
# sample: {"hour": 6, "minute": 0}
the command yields {"hour": 2, "minute": 17}
